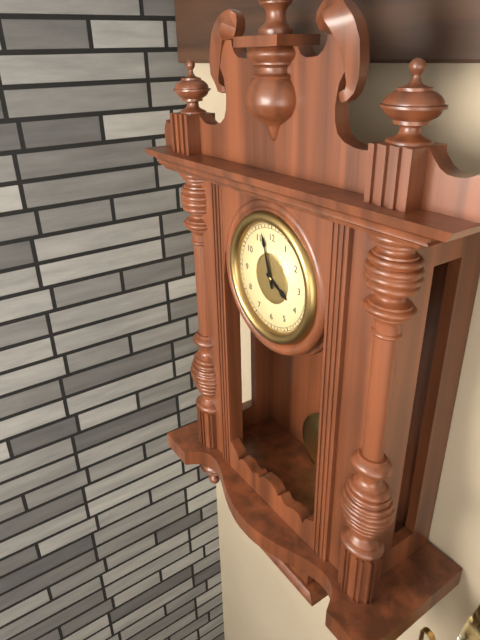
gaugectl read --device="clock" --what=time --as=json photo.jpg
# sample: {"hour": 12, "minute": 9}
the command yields {"hour": 3, "minute": 57}
